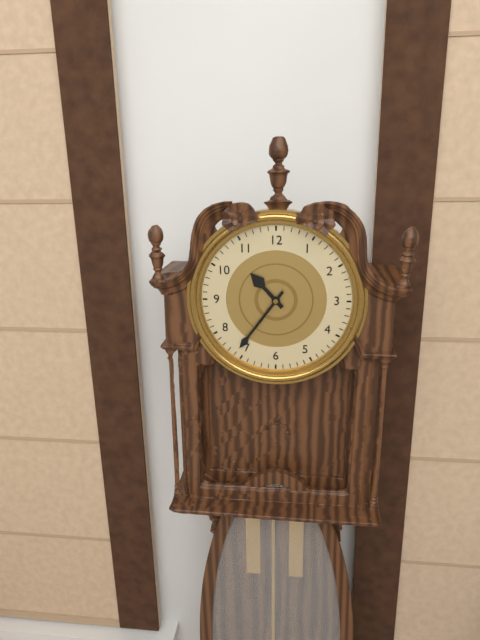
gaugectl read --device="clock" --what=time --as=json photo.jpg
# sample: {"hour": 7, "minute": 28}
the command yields {"hour": 10, "minute": 36}
